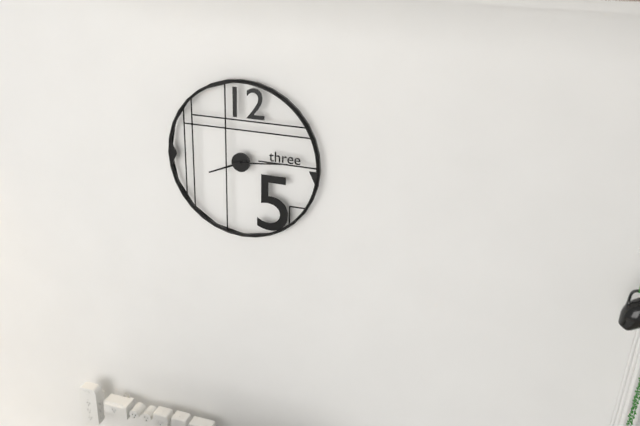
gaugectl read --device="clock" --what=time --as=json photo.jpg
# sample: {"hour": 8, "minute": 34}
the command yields {"hour": 8, "minute": 14}
